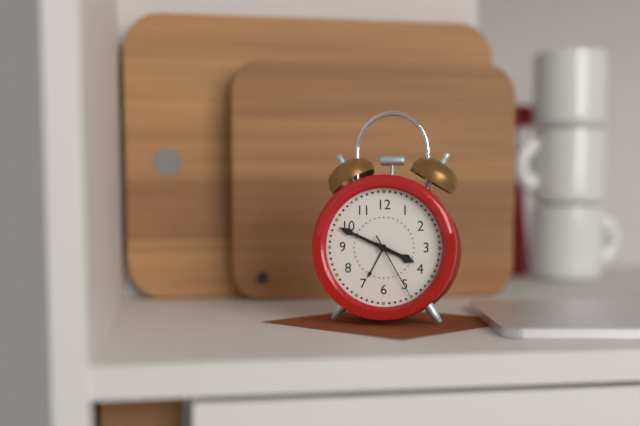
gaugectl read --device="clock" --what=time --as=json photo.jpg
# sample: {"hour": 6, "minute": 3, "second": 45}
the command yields {"hour": 3, "minute": 49, "second": 25}
